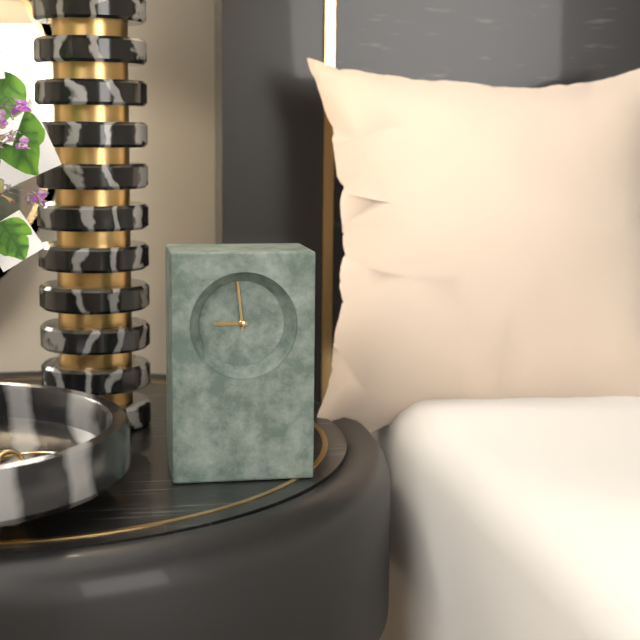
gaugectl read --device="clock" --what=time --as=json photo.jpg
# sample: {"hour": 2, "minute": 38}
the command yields {"hour": 8, "minute": 59}
